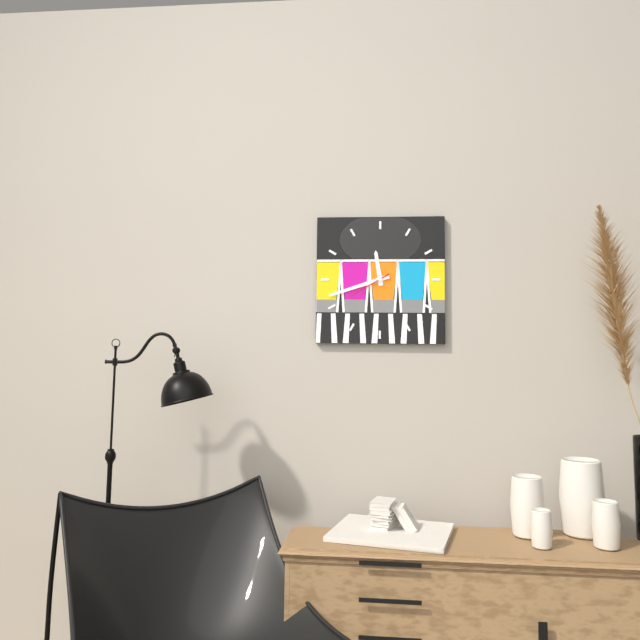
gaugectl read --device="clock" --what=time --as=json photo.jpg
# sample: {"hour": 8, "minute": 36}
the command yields {"hour": 11, "minute": 42}
